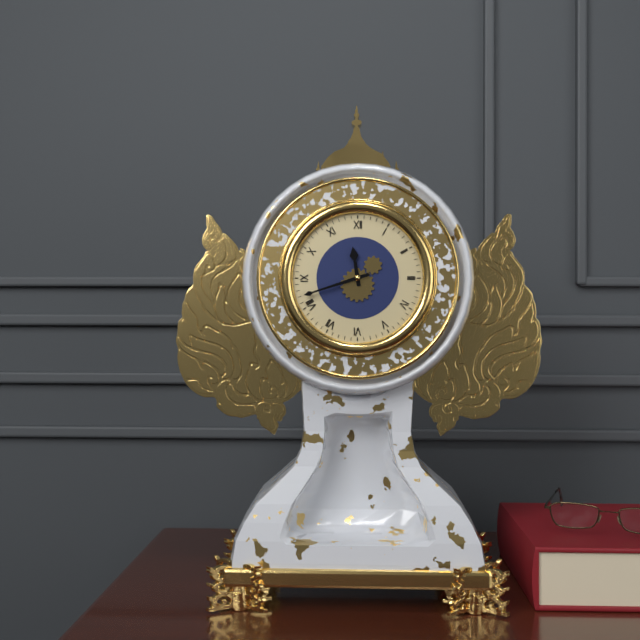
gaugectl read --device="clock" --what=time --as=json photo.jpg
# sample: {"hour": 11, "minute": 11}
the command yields {"hour": 11, "minute": 42}
